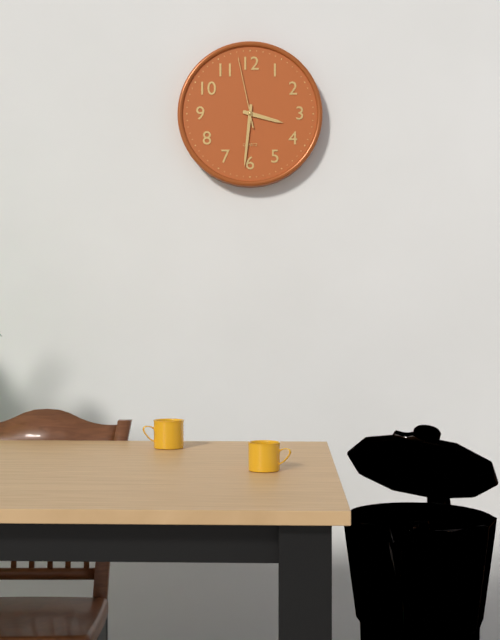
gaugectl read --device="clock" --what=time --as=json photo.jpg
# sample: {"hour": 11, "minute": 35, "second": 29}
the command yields {"hour": 3, "minute": 31, "second": 58}
